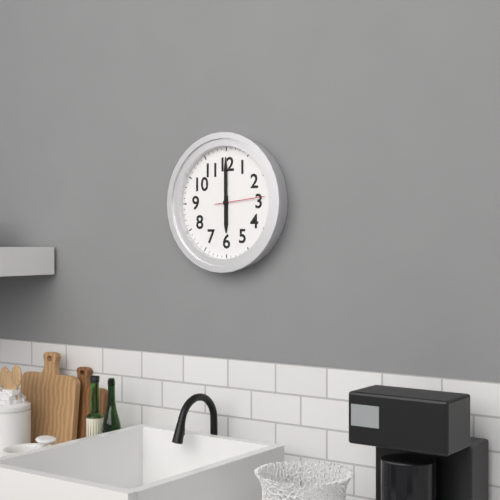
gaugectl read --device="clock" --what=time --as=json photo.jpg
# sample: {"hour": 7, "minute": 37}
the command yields {"hour": 6, "minute": 0}
